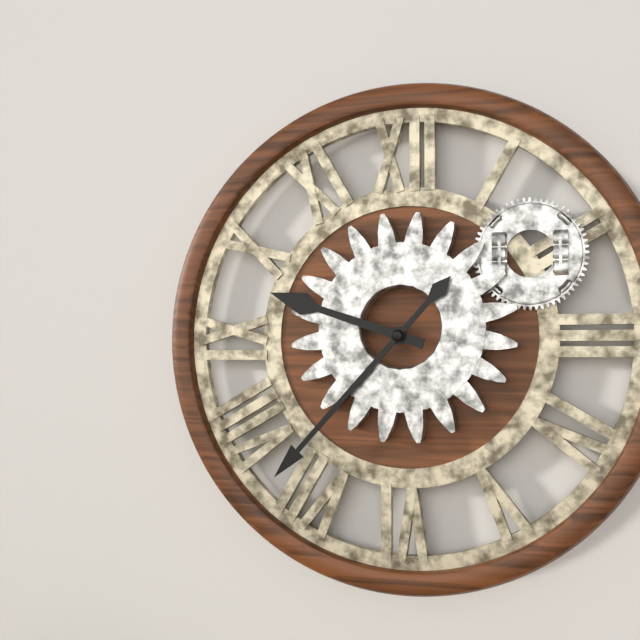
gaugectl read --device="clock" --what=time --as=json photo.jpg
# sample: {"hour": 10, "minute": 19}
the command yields {"hour": 9, "minute": 37}
